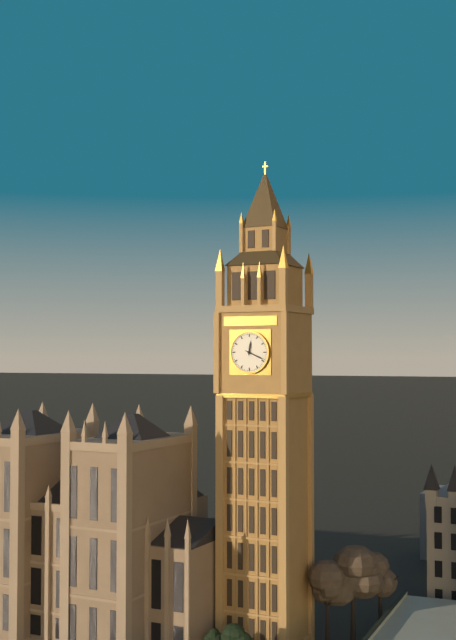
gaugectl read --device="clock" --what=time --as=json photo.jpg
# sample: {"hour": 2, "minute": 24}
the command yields {"hour": 12, "minute": 19}
